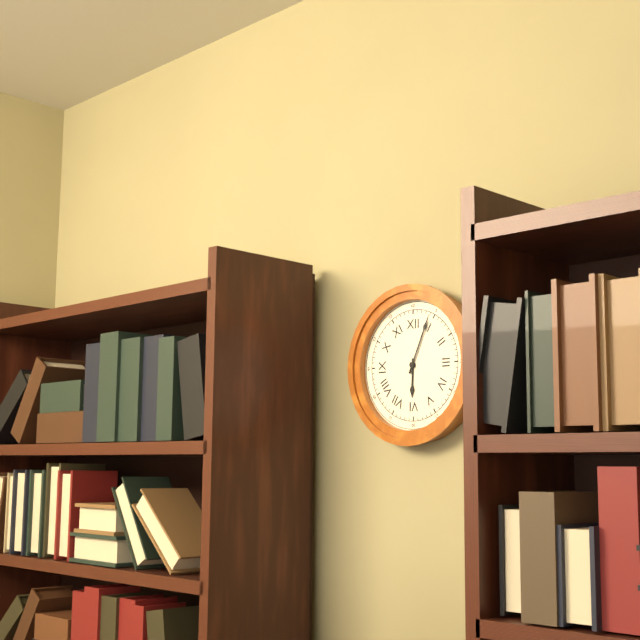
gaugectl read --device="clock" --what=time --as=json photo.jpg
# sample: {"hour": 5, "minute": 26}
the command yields {"hour": 6, "minute": 4}
